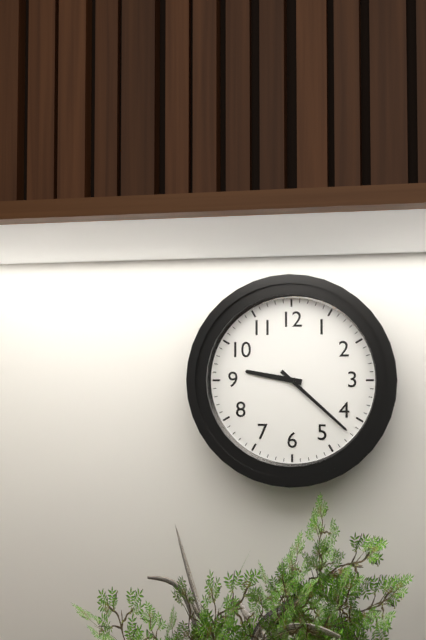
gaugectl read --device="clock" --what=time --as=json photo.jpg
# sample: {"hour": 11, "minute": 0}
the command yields {"hour": 9, "minute": 22}
